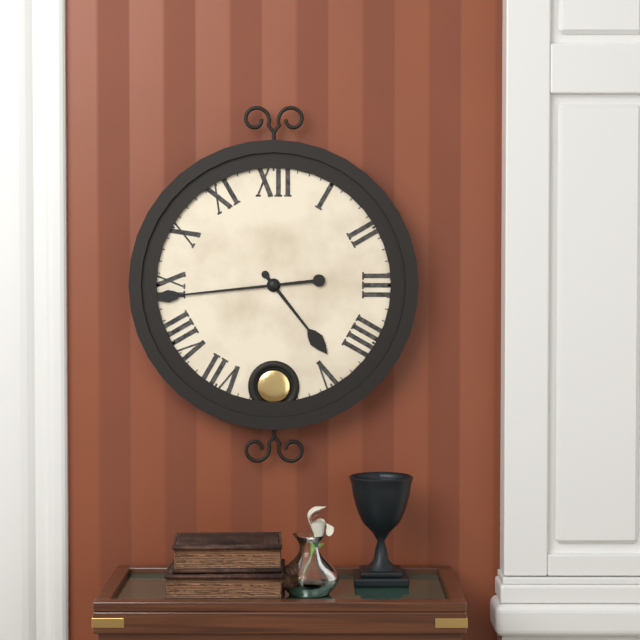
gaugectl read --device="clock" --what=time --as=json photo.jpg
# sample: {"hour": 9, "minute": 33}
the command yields {"hour": 4, "minute": 44}
